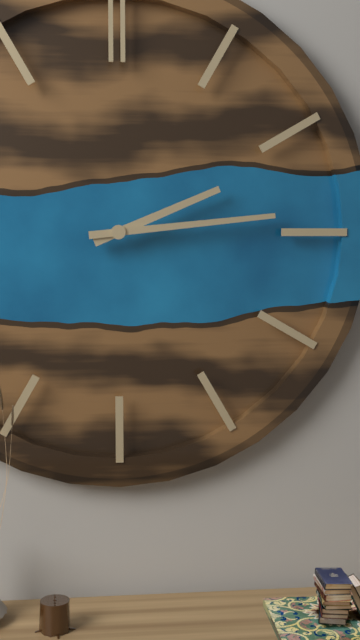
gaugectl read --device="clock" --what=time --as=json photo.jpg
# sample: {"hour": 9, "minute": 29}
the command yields {"hour": 2, "minute": 14}
